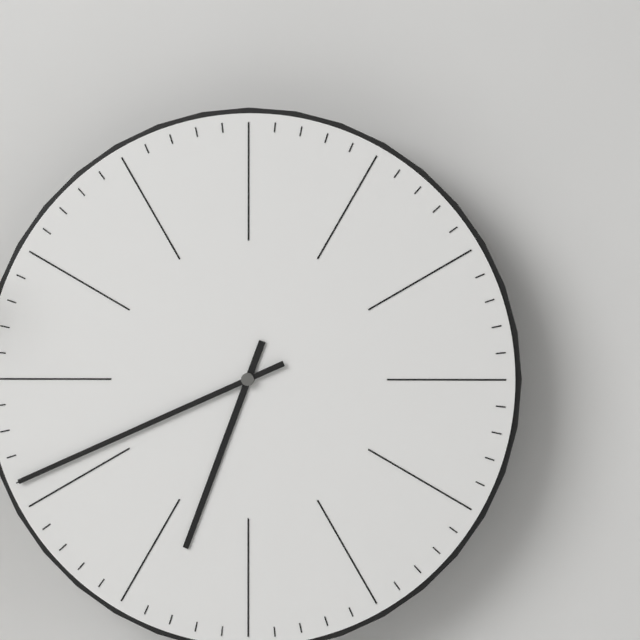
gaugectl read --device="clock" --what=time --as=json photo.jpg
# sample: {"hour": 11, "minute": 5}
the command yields {"hour": 6, "minute": 41}
